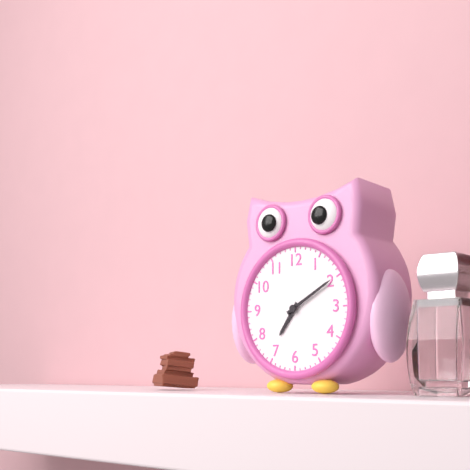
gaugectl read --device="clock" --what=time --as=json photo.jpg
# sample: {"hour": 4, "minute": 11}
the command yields {"hour": 7, "minute": 10}
